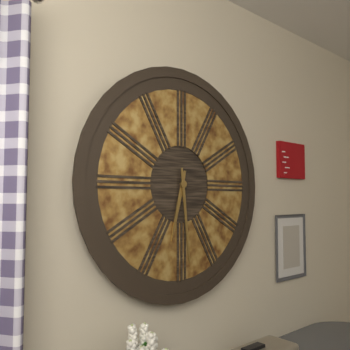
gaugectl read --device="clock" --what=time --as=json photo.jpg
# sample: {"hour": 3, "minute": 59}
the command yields {"hour": 6, "minute": 29}
